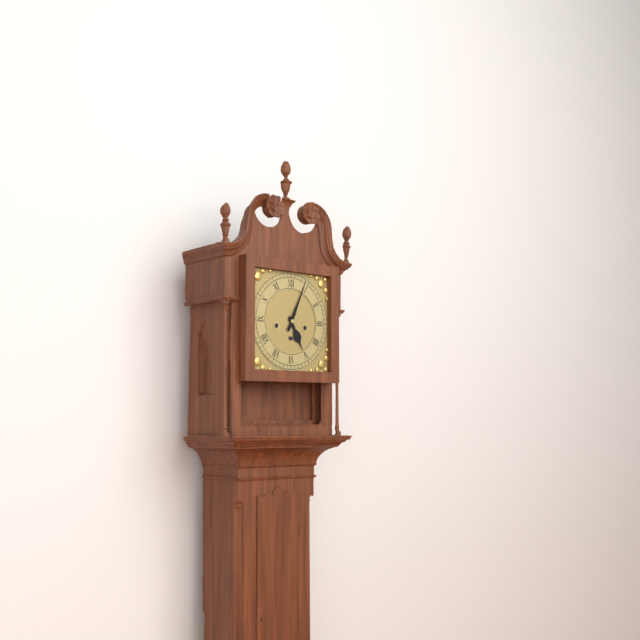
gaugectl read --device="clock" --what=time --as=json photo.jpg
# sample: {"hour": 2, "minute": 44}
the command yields {"hour": 5, "minute": 4}
